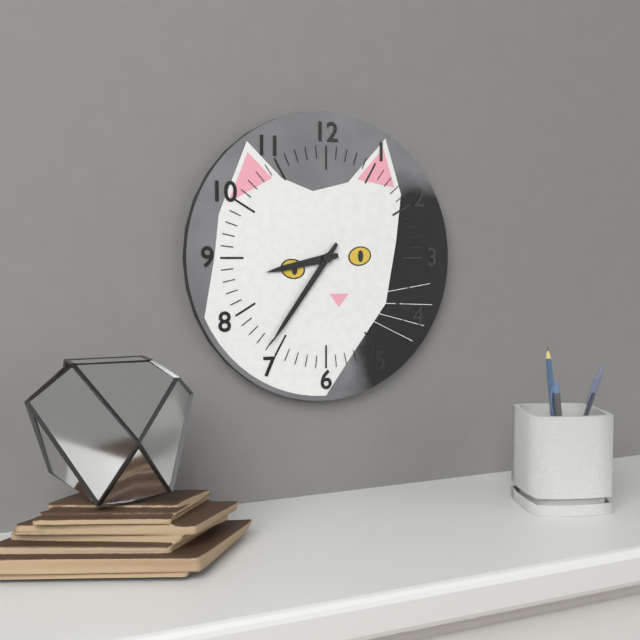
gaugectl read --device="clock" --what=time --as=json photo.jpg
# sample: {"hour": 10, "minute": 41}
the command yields {"hour": 8, "minute": 36}
